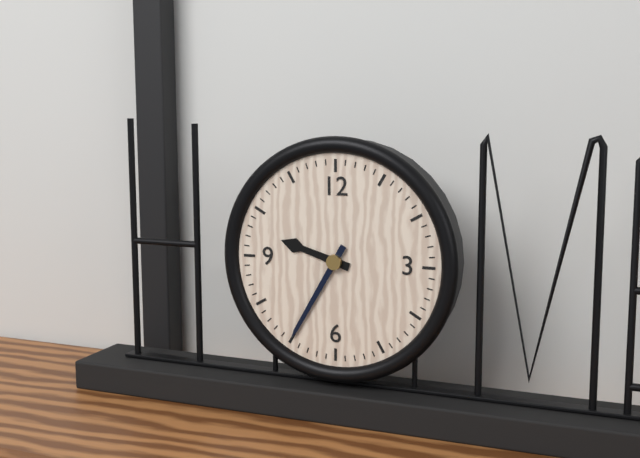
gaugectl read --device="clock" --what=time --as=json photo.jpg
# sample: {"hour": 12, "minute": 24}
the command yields {"hour": 9, "minute": 35}
